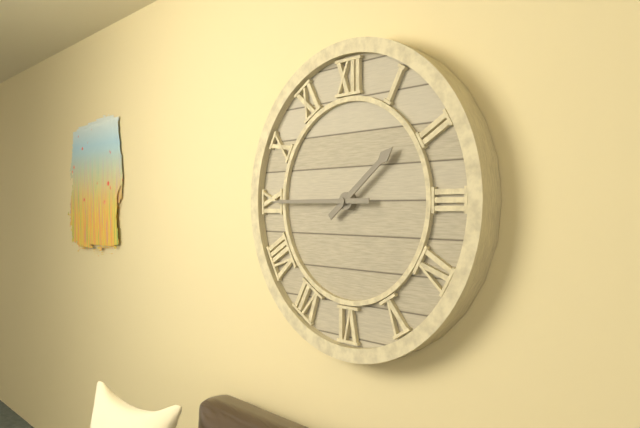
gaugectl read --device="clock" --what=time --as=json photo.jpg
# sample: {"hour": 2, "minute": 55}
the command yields {"hour": 1, "minute": 45}
